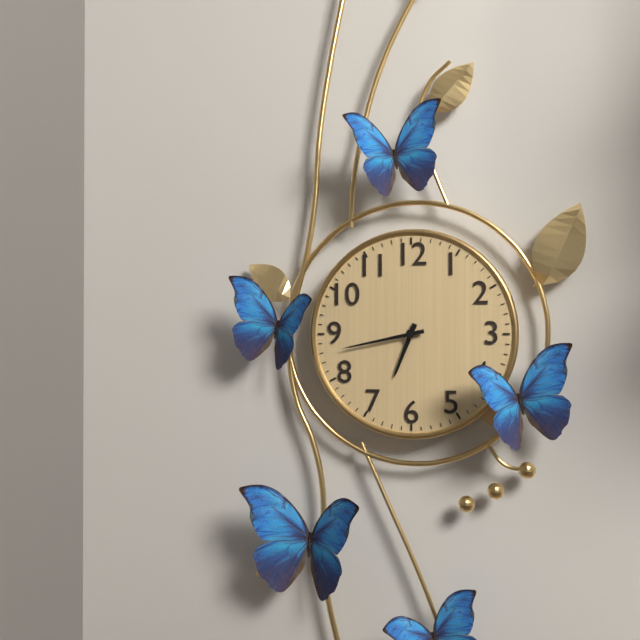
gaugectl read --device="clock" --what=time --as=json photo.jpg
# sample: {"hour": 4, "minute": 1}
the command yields {"hour": 6, "minute": 43}
